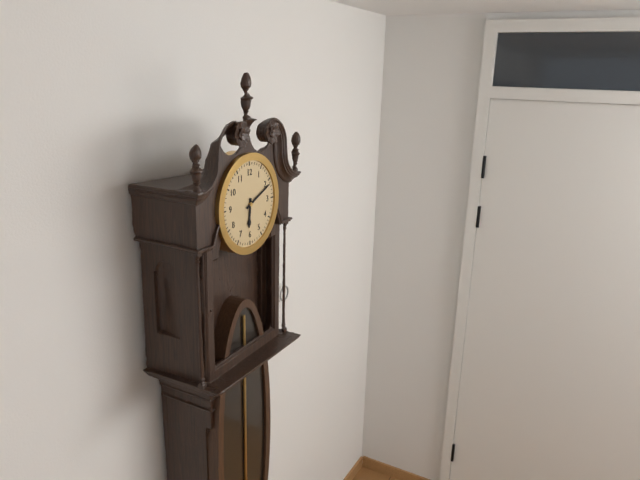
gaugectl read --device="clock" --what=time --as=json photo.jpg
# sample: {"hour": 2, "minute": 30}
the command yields {"hour": 6, "minute": 11}
